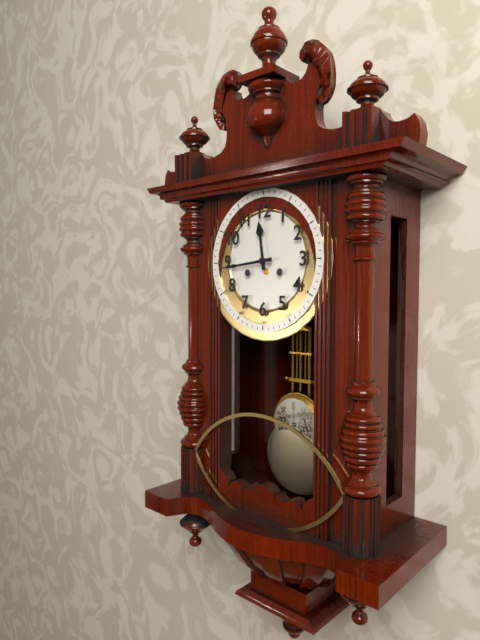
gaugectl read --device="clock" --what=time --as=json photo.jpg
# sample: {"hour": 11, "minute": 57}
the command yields {"hour": 11, "minute": 44}
